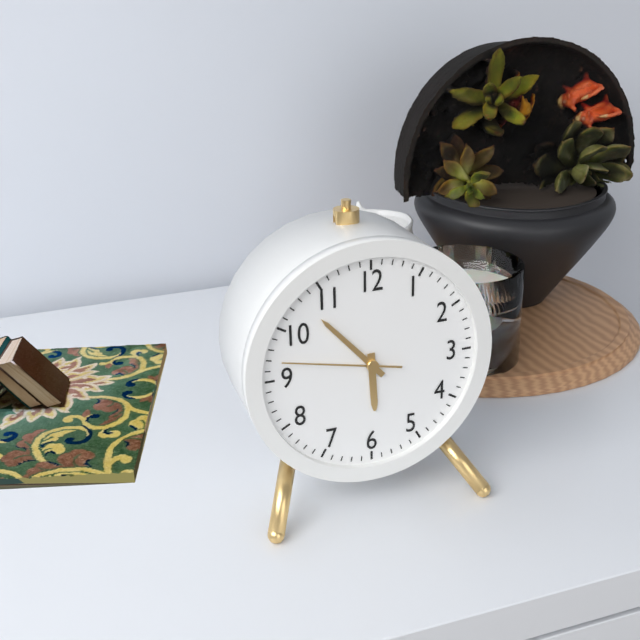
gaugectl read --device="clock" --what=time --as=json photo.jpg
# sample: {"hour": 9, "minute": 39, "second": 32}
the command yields {"hour": 5, "minute": 53, "second": 47}
